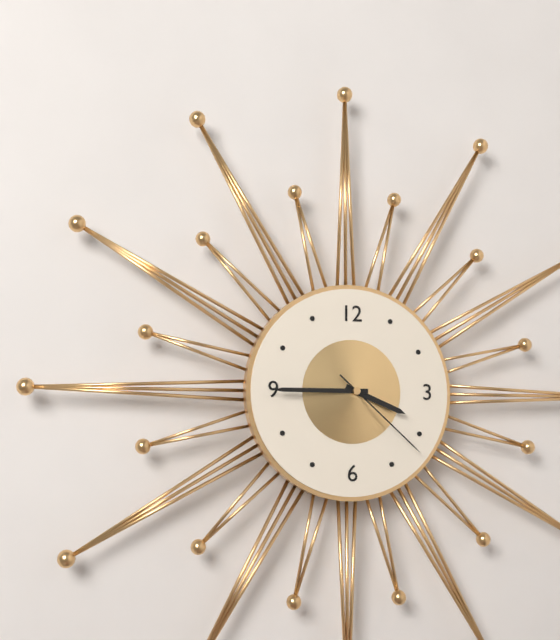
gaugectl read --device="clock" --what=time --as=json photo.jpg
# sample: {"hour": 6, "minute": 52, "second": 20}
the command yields {"hour": 3, "minute": 45, "second": 22}
